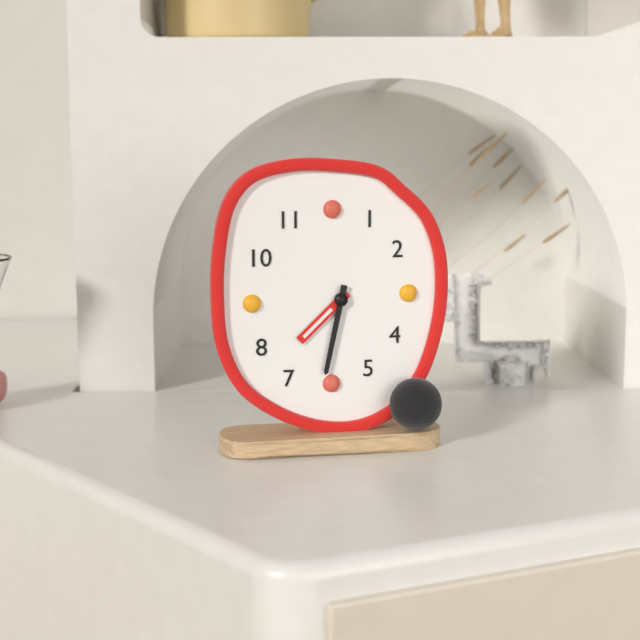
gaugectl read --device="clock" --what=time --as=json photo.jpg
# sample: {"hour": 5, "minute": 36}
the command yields {"hour": 7, "minute": 32}
